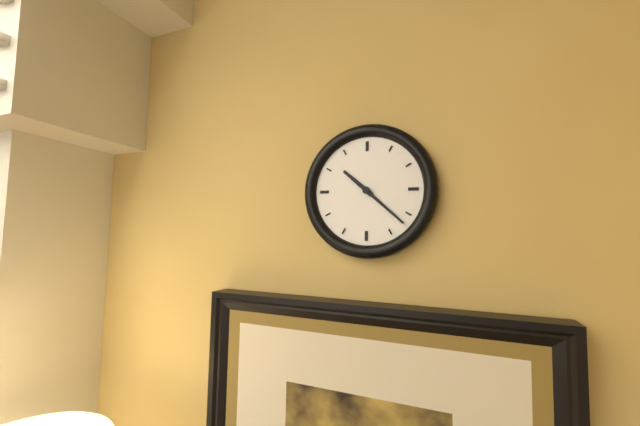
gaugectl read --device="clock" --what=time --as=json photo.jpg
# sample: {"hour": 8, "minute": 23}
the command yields {"hour": 10, "minute": 22}
